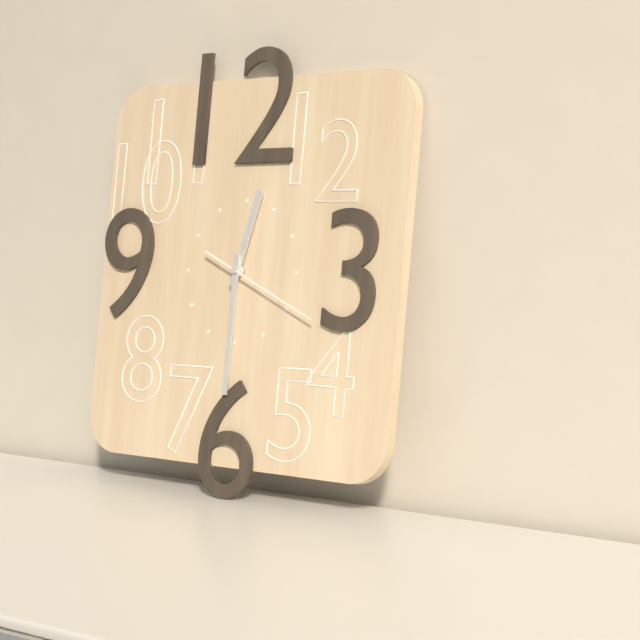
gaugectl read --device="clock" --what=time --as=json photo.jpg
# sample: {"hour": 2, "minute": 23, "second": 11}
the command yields {"hour": 12, "minute": 30, "second": 19}
